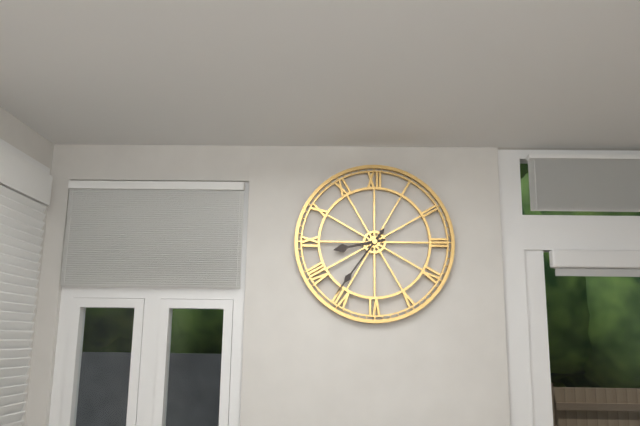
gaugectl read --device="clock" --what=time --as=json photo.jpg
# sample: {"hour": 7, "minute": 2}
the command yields {"hour": 8, "minute": 36}
